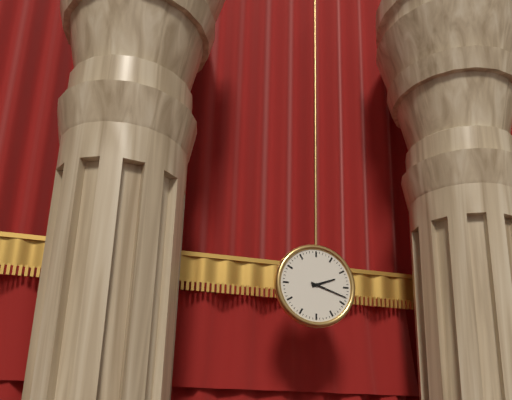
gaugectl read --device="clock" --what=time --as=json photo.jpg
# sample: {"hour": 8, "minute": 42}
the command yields {"hour": 2, "minute": 18}
